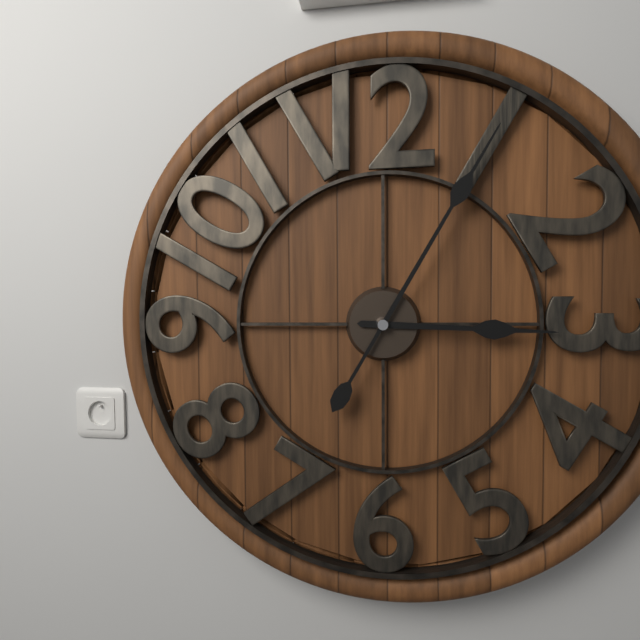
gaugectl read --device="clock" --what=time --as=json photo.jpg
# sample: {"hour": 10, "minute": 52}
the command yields {"hour": 3, "minute": 5}
